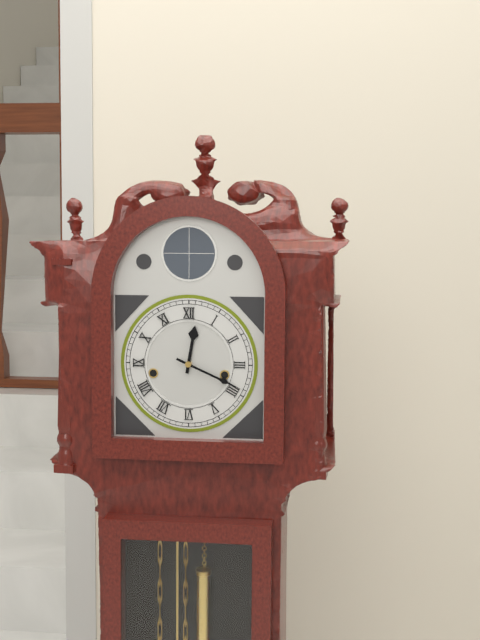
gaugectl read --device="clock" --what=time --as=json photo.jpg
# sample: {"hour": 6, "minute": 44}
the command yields {"hour": 12, "minute": 19}
